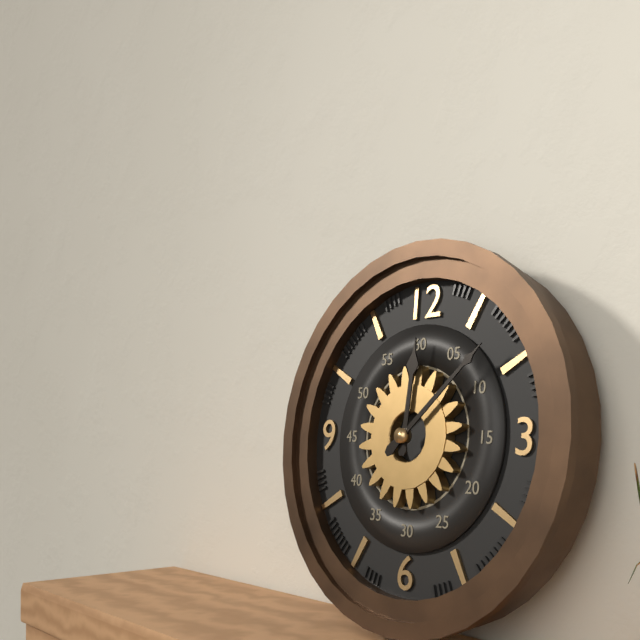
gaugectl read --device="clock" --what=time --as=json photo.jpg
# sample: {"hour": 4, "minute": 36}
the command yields {"hour": 12, "minute": 8}
